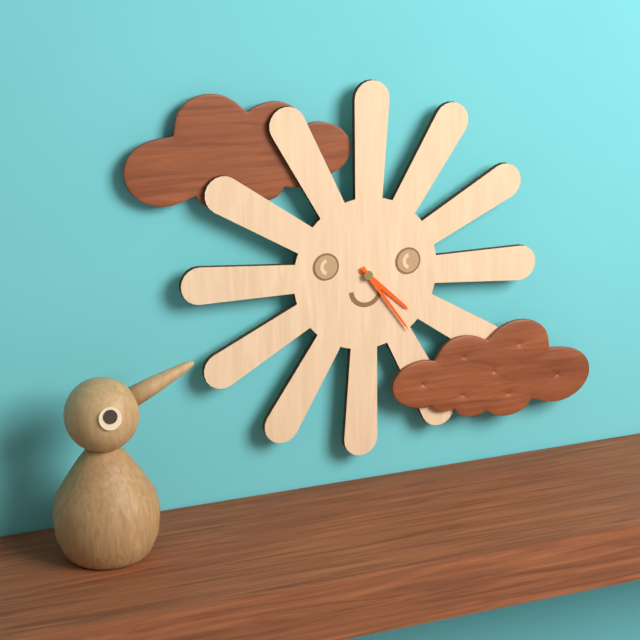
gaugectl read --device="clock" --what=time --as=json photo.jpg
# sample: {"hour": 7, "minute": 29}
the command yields {"hour": 4, "minute": 24}
